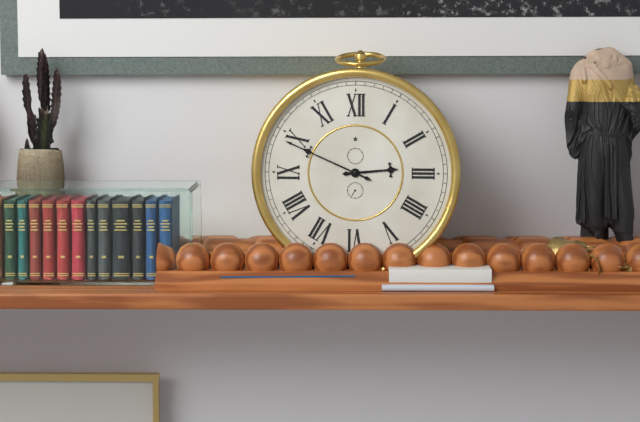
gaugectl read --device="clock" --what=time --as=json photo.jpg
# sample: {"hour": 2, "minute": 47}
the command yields {"hour": 2, "minute": 49}
